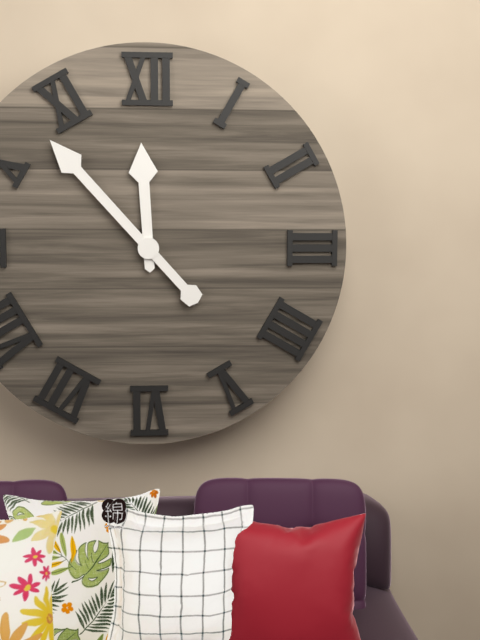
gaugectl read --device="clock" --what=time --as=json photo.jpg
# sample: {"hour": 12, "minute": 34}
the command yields {"hour": 11, "minute": 53}
